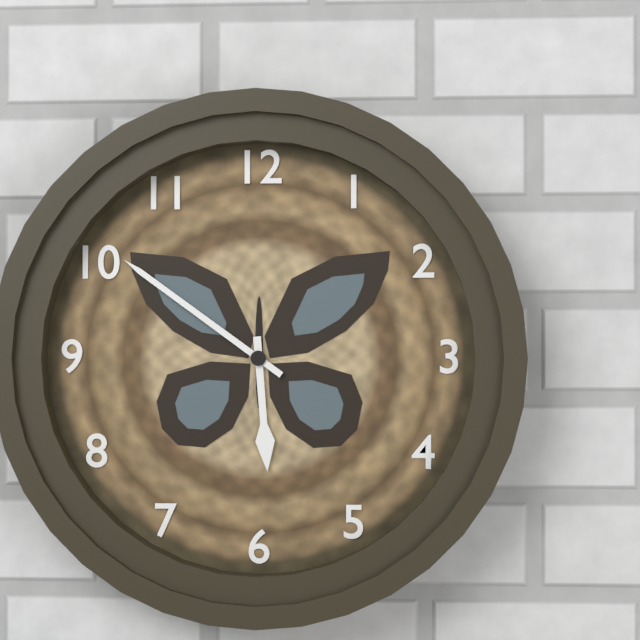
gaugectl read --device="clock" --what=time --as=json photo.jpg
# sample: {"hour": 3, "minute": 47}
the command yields {"hour": 5, "minute": 51}
